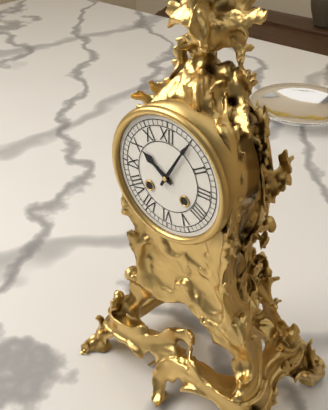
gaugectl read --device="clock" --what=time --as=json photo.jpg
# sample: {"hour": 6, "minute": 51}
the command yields {"hour": 10, "minute": 5}
